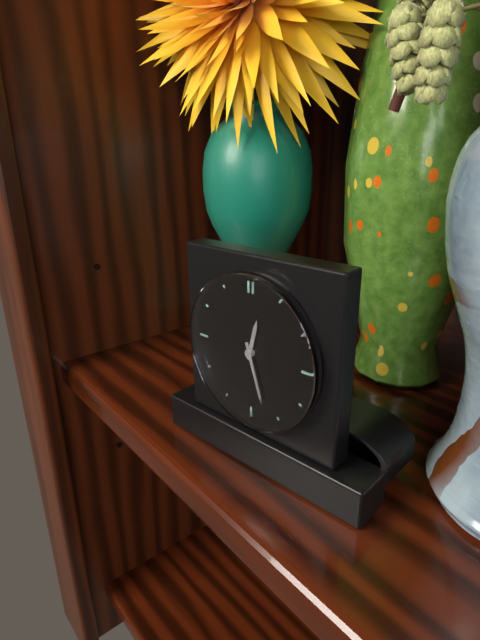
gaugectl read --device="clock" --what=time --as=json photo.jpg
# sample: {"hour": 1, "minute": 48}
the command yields {"hour": 12, "minute": 27}
